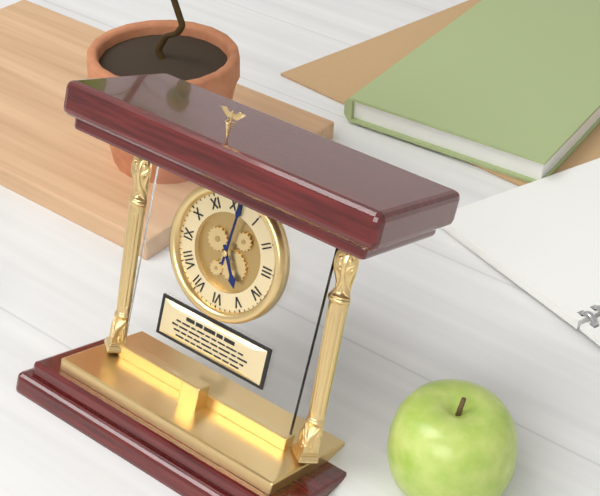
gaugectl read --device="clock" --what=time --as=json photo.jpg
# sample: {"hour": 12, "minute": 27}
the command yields {"hour": 5, "minute": 1}
